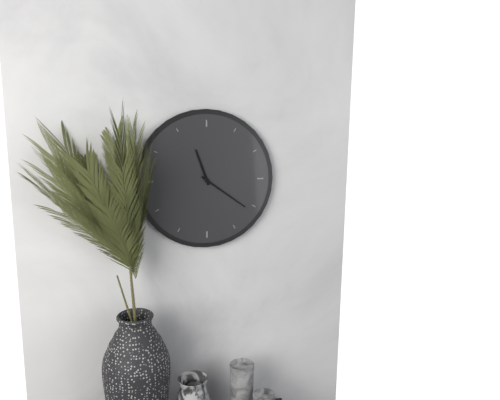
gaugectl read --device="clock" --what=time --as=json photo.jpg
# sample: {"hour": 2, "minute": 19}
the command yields {"hour": 11, "minute": 21}
